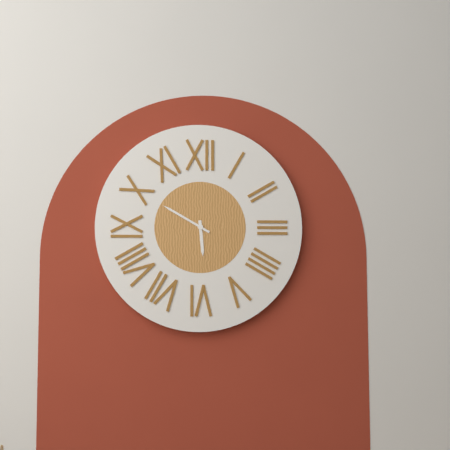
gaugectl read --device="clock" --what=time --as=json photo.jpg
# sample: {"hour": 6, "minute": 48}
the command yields {"hour": 5, "minute": 50}
